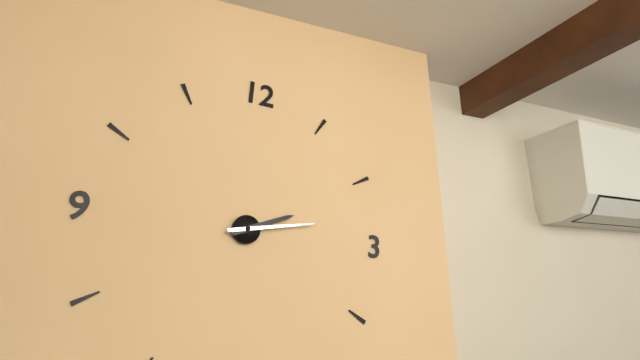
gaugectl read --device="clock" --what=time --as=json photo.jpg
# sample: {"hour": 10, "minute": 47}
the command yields {"hour": 2, "minute": 13}
